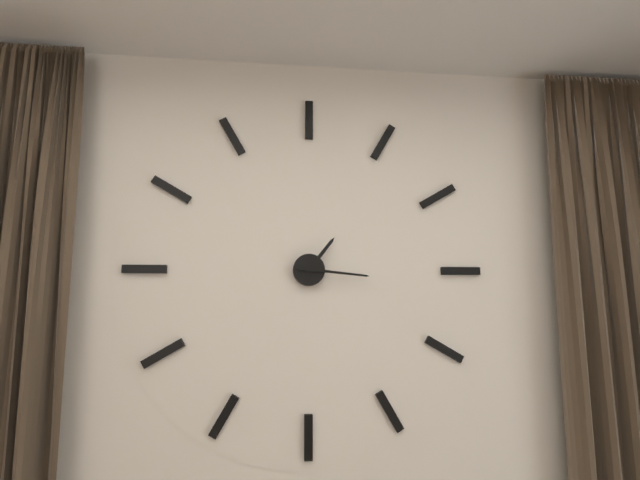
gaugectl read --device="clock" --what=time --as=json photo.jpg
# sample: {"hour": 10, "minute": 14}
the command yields {"hour": 1, "minute": 16}
